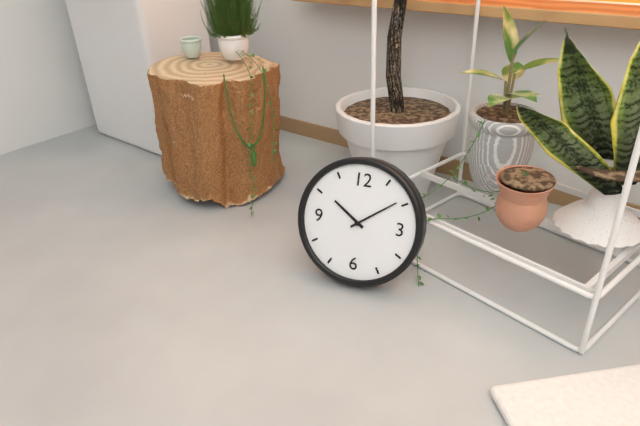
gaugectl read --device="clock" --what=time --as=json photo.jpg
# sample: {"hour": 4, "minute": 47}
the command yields {"hour": 10, "minute": 9}
